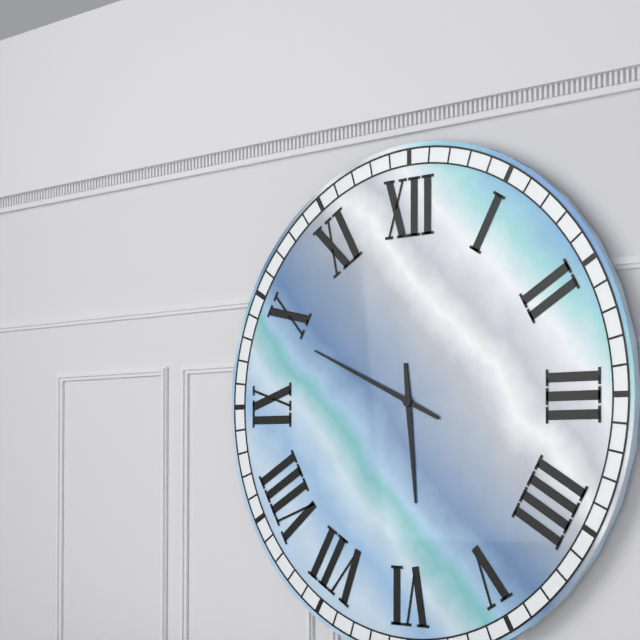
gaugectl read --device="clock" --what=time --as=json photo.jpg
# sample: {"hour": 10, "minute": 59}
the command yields {"hour": 5, "minute": 49}
